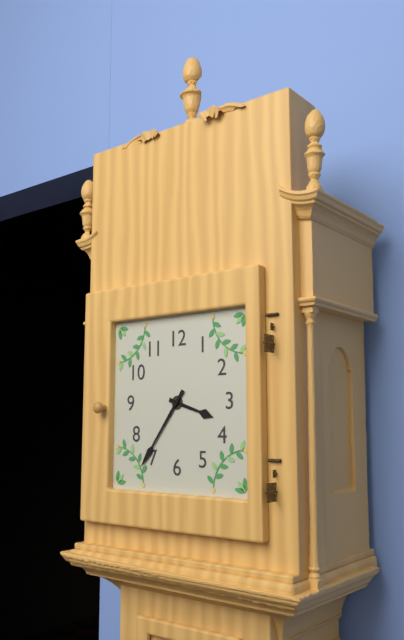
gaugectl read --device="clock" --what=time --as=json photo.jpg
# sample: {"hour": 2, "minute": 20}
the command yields {"hour": 3, "minute": 36}
